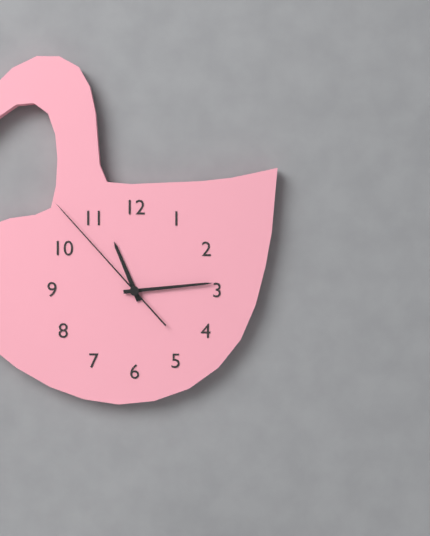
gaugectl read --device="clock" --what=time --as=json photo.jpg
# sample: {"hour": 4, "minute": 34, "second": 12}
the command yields {"hour": 11, "minute": 14, "second": 53}
